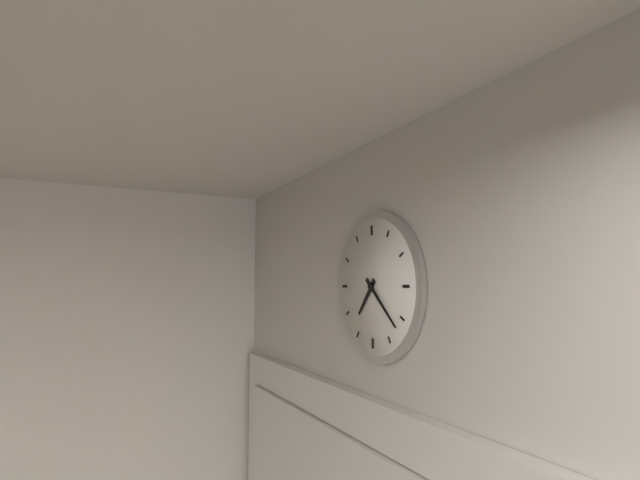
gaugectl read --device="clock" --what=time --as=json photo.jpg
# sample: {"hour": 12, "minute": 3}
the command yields {"hour": 7, "minute": 22}
